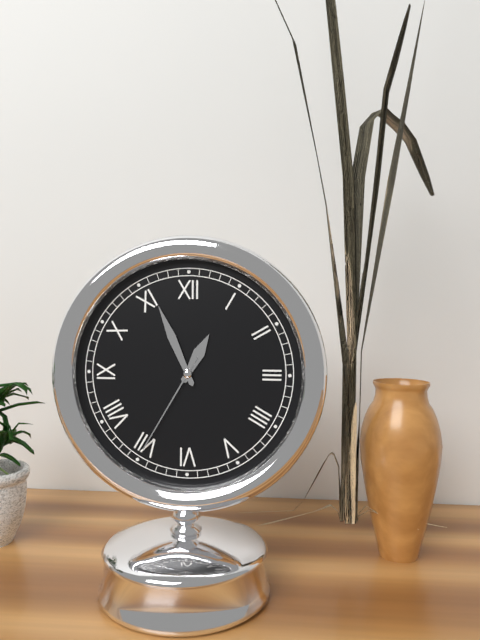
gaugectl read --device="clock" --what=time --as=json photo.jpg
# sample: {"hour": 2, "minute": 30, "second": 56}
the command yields {"hour": 12, "minute": 56, "second": 35}
